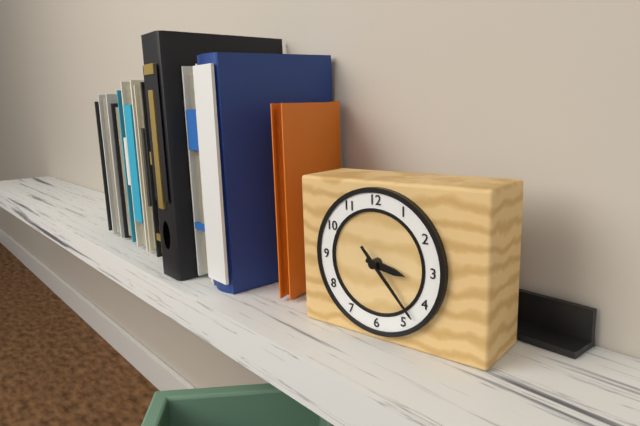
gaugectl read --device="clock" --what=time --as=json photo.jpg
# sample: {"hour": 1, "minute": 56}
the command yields {"hour": 3, "minute": 23}
